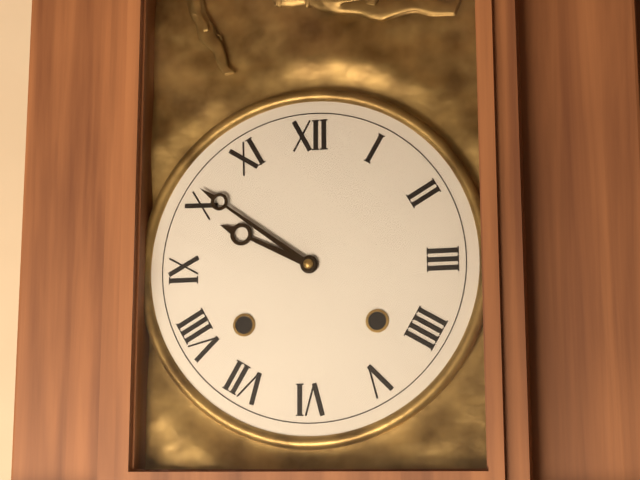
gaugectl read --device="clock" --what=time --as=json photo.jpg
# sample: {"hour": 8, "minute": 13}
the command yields {"hour": 9, "minute": 51}
